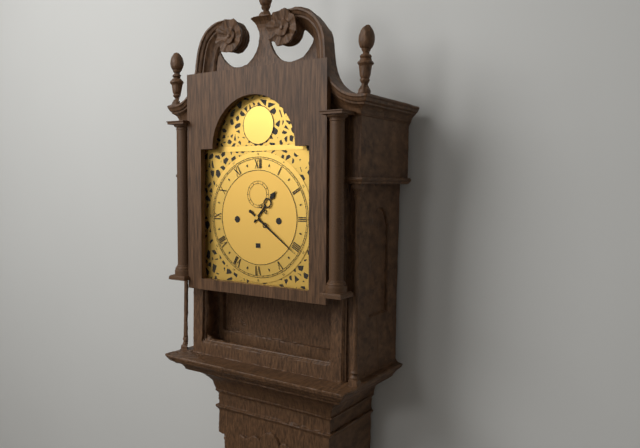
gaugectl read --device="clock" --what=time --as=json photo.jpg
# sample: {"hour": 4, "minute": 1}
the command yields {"hour": 1, "minute": 21}
